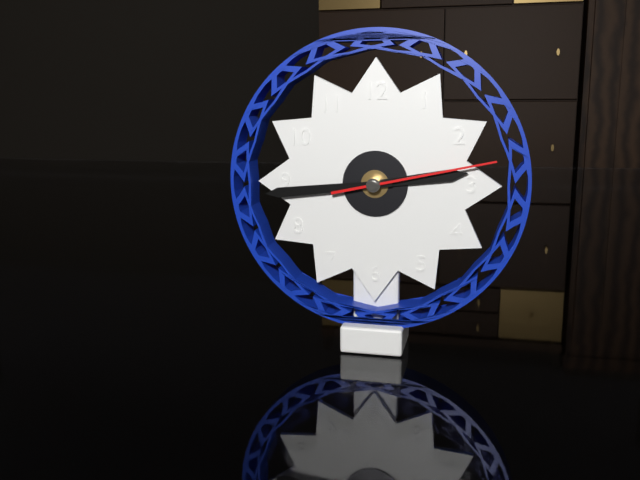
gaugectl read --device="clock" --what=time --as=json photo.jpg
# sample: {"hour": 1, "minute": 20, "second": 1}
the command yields {"hour": 2, "minute": 44, "second": 13}
